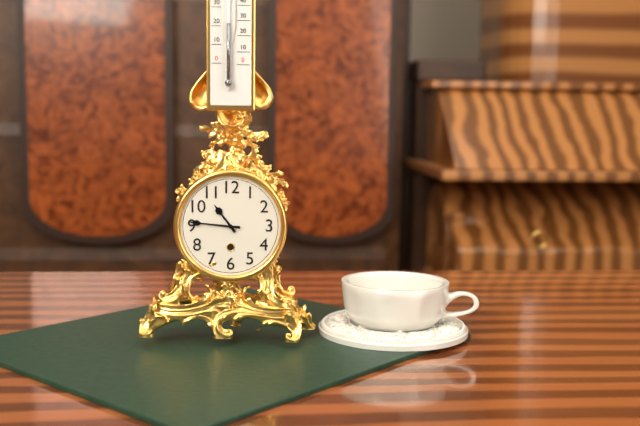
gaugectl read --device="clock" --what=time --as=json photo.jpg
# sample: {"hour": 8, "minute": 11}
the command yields {"hour": 10, "minute": 46}
